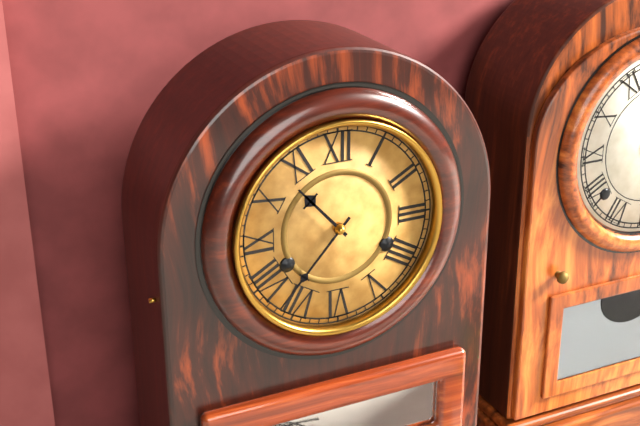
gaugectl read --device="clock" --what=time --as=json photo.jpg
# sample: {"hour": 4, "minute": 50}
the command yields {"hour": 10, "minute": 37}
